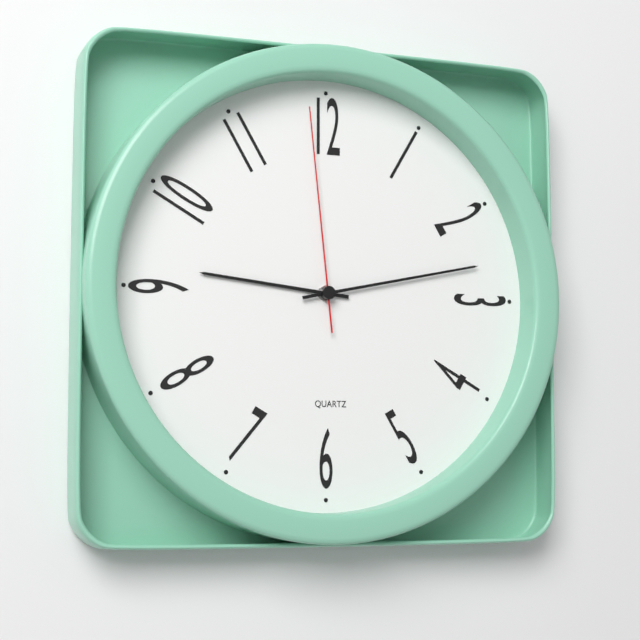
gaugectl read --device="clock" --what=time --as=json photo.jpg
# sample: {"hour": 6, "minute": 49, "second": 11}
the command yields {"hour": 9, "minute": 13, "second": 59}
